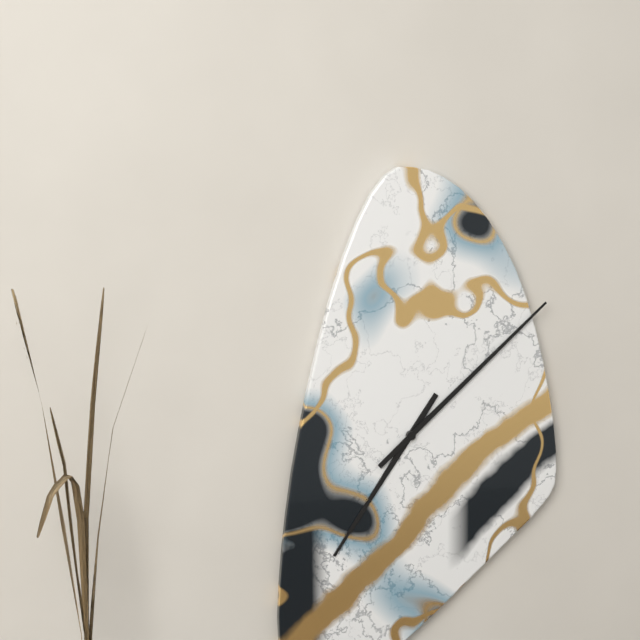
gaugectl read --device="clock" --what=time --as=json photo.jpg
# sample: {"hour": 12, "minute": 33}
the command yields {"hour": 7, "minute": 8}
